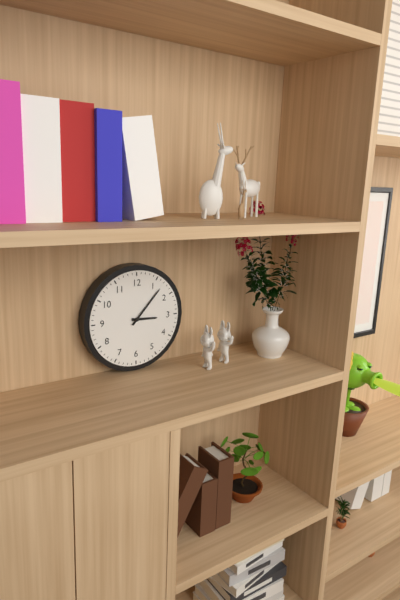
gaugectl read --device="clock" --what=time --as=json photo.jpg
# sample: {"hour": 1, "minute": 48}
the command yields {"hour": 3, "minute": 7}
